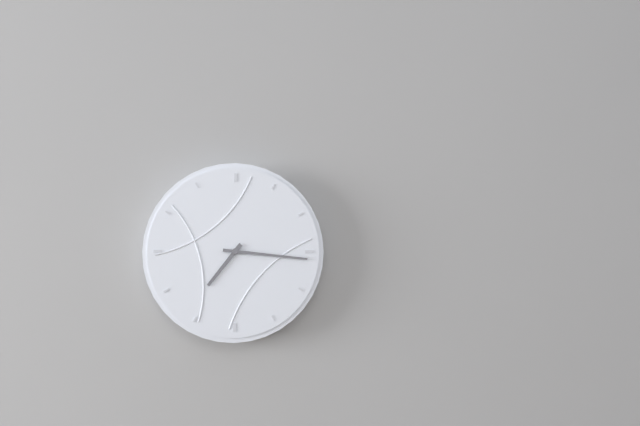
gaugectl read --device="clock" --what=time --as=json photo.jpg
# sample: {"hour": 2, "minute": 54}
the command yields {"hour": 7, "minute": 16}
